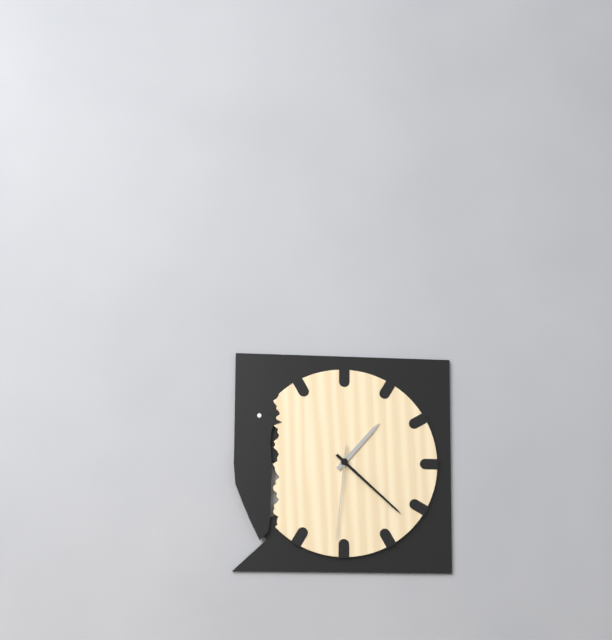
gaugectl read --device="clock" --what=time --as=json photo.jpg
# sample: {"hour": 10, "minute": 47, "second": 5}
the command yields {"hour": 1, "minute": 22, "second": 31}
